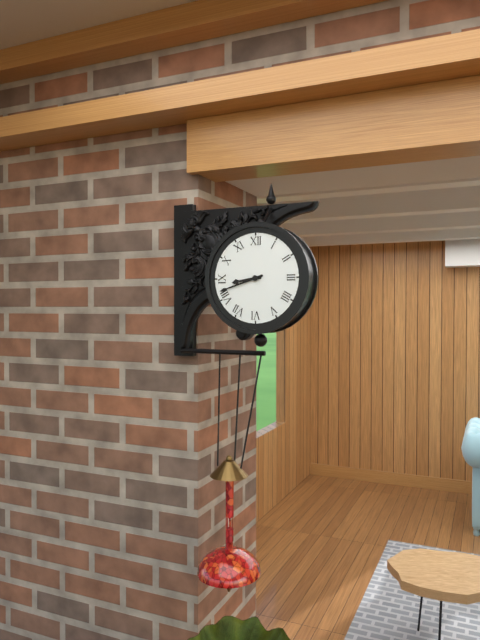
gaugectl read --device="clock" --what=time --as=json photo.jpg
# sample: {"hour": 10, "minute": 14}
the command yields {"hour": 8, "minute": 42}
